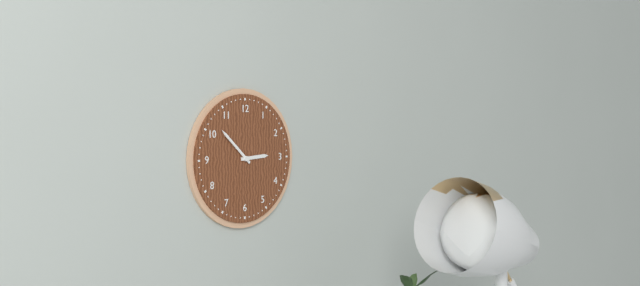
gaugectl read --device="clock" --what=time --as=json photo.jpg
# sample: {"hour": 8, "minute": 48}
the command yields {"hour": 2, "minute": 52}
